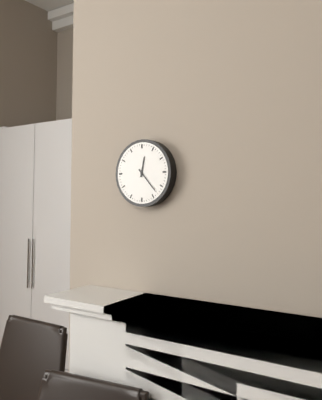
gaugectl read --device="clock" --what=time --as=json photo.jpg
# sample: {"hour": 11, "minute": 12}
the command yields {"hour": 12, "minute": 23}
